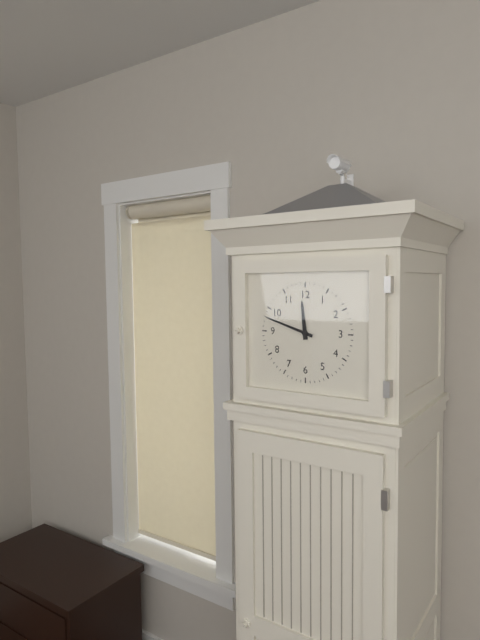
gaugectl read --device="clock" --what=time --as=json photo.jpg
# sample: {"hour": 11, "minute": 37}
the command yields {"hour": 11, "minute": 48}
